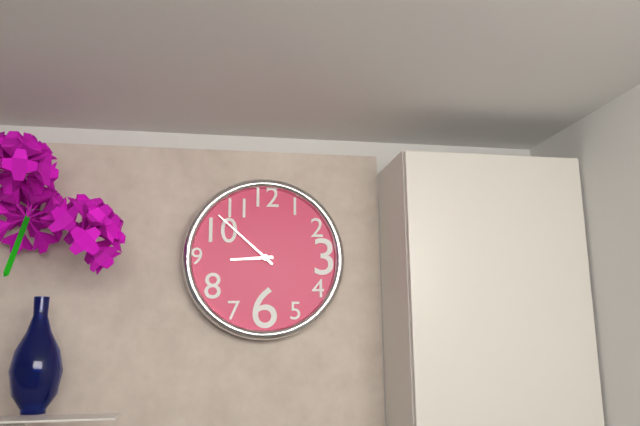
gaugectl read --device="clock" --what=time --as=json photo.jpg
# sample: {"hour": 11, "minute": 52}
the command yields {"hour": 8, "minute": 52}
